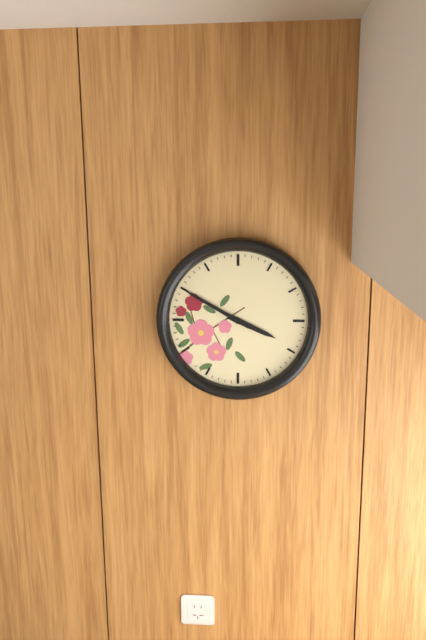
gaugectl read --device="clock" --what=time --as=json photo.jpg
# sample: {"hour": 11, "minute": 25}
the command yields {"hour": 3, "minute": 50}
